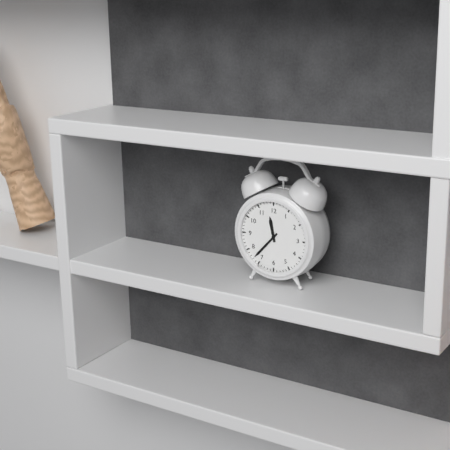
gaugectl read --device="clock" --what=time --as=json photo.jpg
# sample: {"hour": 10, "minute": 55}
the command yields {"hour": 11, "minute": 37}
